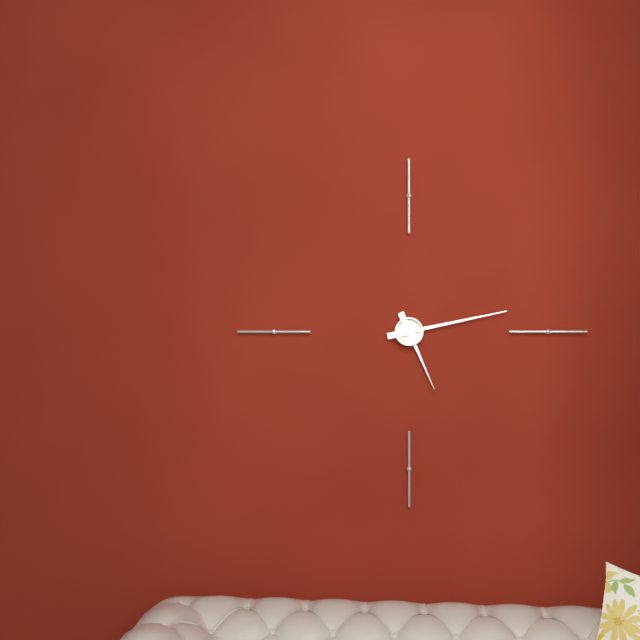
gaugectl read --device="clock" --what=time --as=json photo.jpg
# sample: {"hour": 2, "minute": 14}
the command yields {"hour": 5, "minute": 13}
